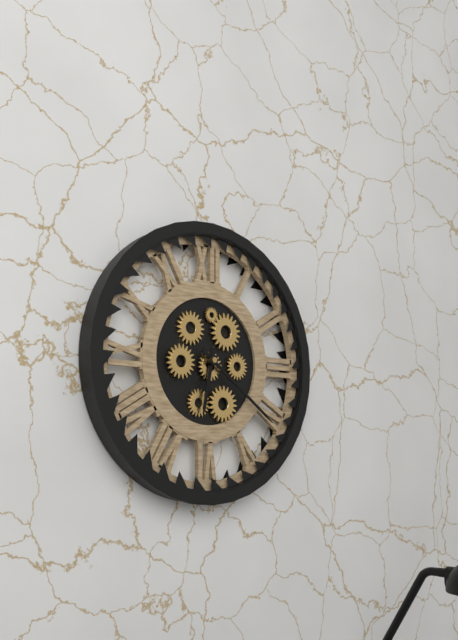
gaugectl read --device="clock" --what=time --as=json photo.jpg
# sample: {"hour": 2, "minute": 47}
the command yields {"hour": 6, "minute": 21}
